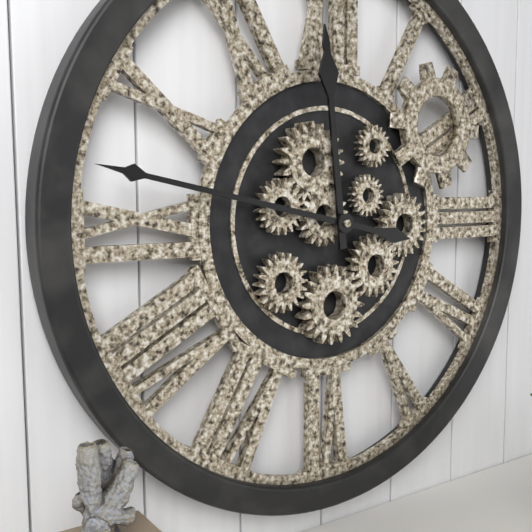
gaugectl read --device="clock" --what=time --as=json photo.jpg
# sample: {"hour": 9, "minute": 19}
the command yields {"hour": 11, "minute": 47}
